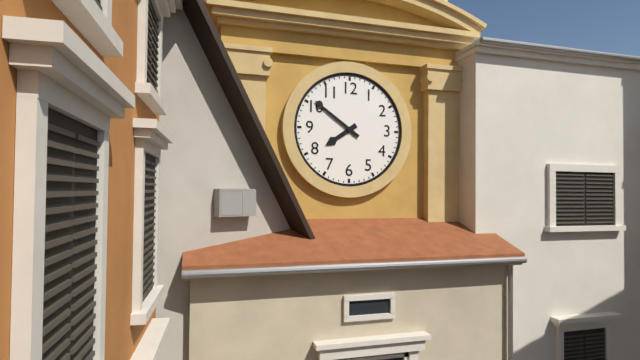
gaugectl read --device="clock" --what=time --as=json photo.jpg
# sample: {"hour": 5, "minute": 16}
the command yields {"hour": 7, "minute": 51}
